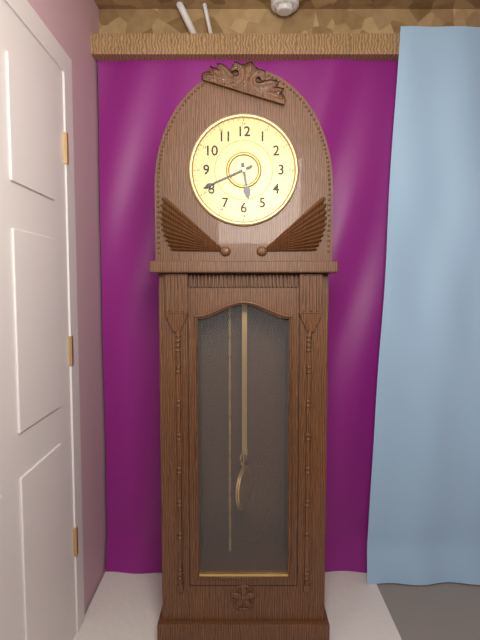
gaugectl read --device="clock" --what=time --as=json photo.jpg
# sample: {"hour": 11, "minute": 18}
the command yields {"hour": 5, "minute": 41}
